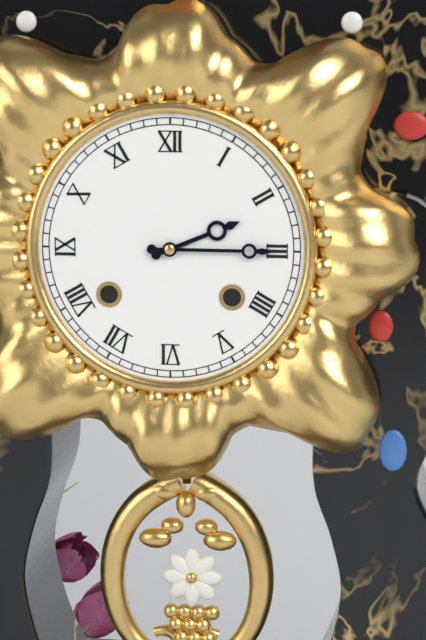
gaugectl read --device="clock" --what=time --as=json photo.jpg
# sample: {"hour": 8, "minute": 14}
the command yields {"hour": 2, "minute": 15}
